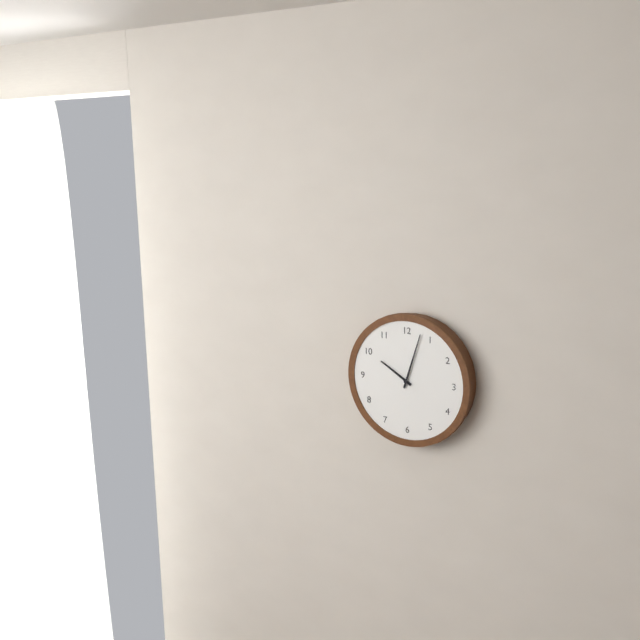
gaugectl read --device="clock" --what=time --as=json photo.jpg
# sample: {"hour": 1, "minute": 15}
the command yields {"hour": 10, "minute": 3}
